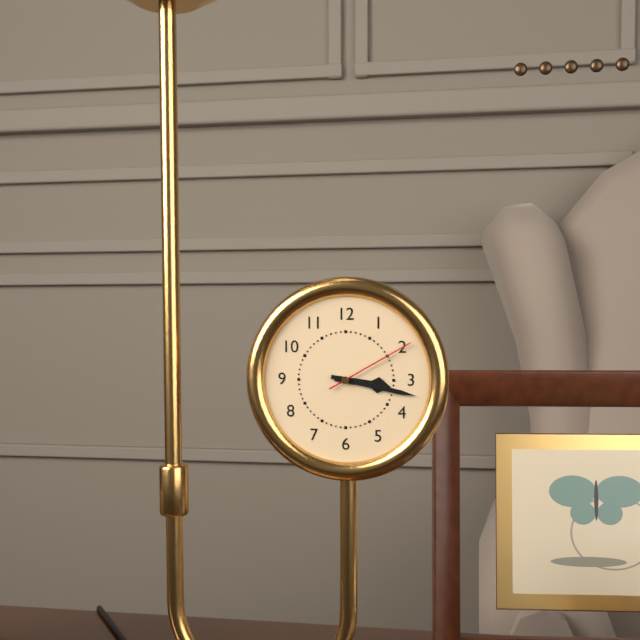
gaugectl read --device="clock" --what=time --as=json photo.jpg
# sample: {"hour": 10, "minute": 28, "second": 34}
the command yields {"hour": 3, "minute": 17, "second": 10}
